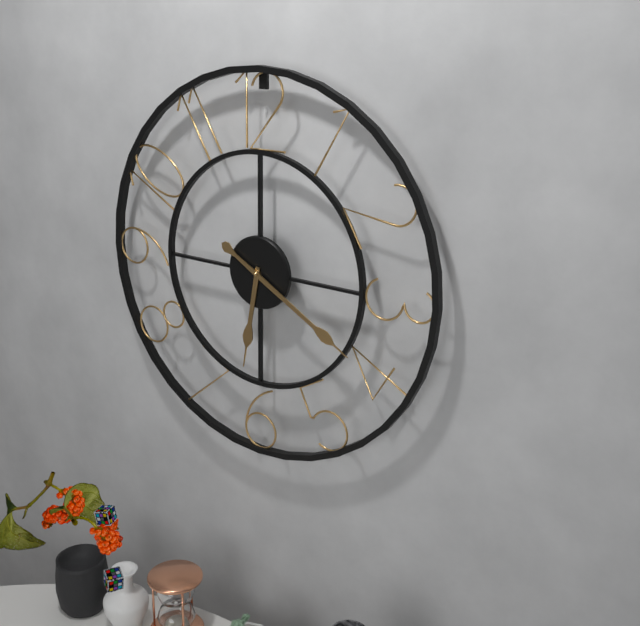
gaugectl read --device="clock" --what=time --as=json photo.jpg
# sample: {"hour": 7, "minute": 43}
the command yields {"hour": 6, "minute": 20}
